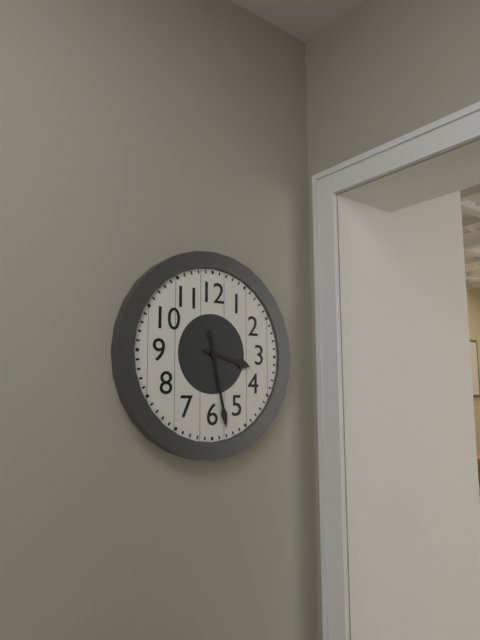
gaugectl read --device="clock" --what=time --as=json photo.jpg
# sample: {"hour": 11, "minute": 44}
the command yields {"hour": 3, "minute": 28}
